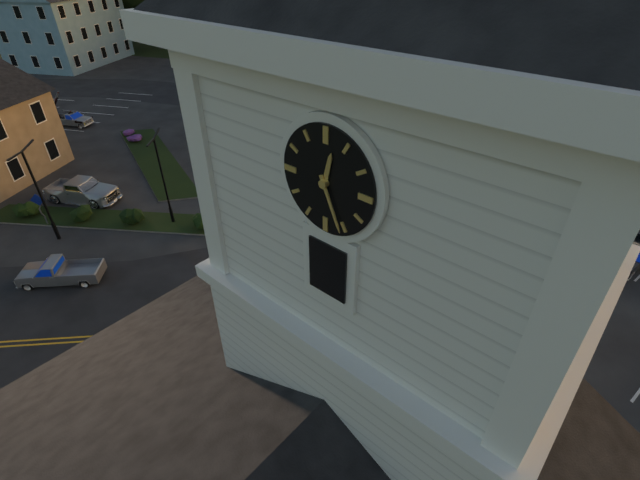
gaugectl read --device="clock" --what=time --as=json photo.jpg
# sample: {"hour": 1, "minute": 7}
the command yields {"hour": 12, "minute": 26}
